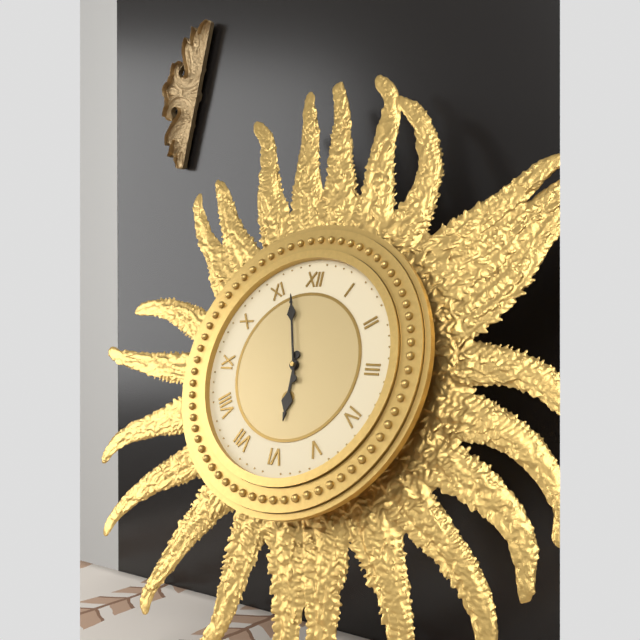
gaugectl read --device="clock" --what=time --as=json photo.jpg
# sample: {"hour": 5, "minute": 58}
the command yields {"hour": 5, "minute": 57}
